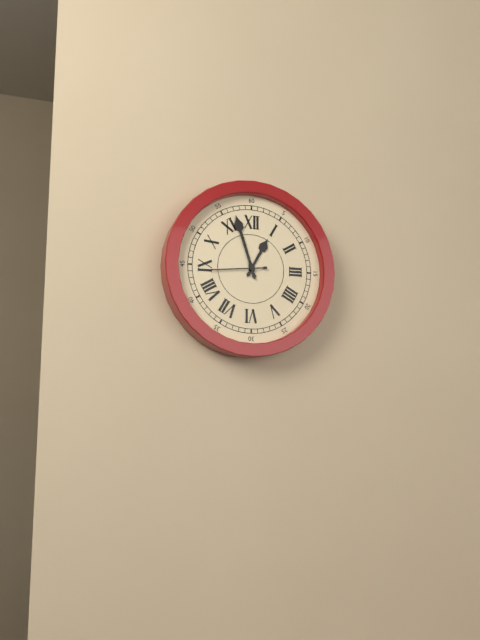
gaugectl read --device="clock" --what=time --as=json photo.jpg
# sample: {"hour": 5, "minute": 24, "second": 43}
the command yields {"hour": 12, "minute": 57, "second": 44}
